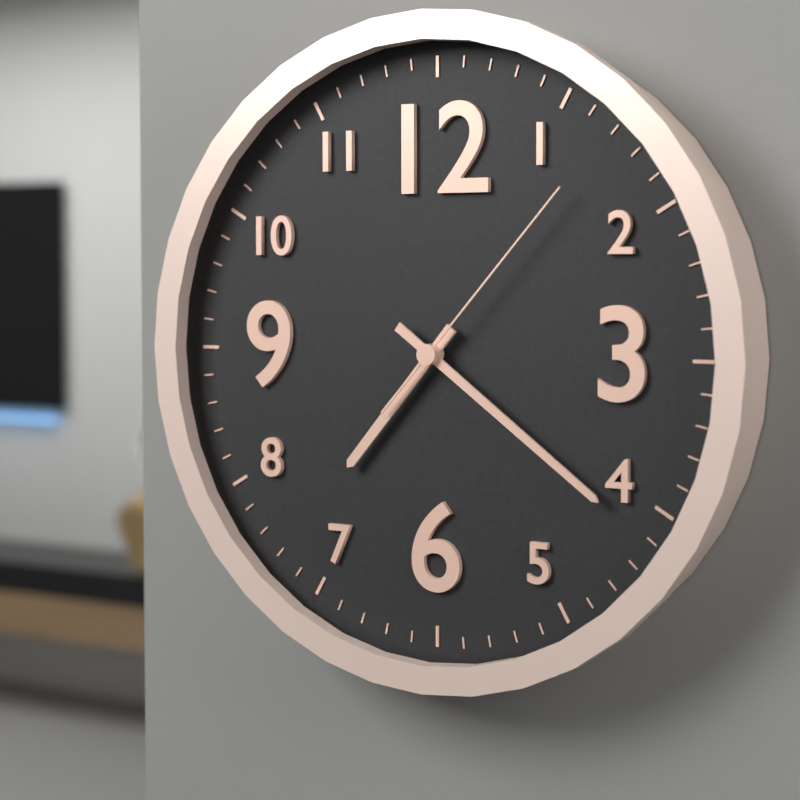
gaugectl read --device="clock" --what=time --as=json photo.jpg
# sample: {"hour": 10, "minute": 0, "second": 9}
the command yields {"hour": 7, "minute": 21, "second": 7}
